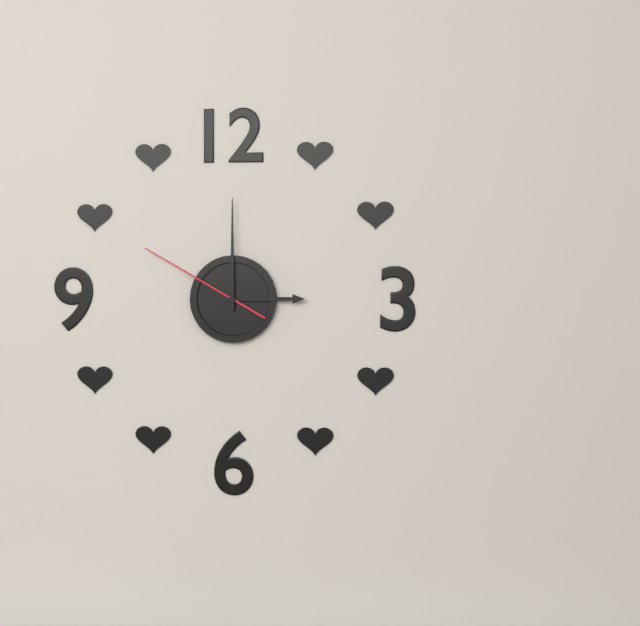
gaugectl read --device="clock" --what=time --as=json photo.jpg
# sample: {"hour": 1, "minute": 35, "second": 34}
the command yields {"hour": 3, "minute": 0, "second": 50}
